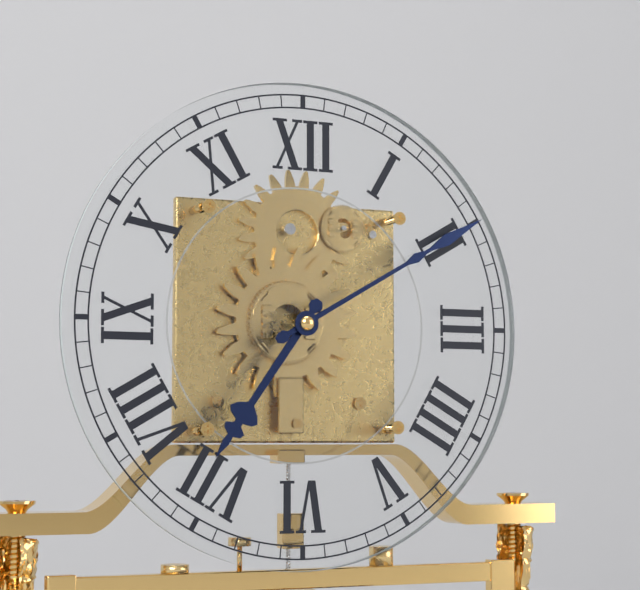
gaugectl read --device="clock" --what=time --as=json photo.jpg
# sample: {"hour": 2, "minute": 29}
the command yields {"hour": 7, "minute": 10}
